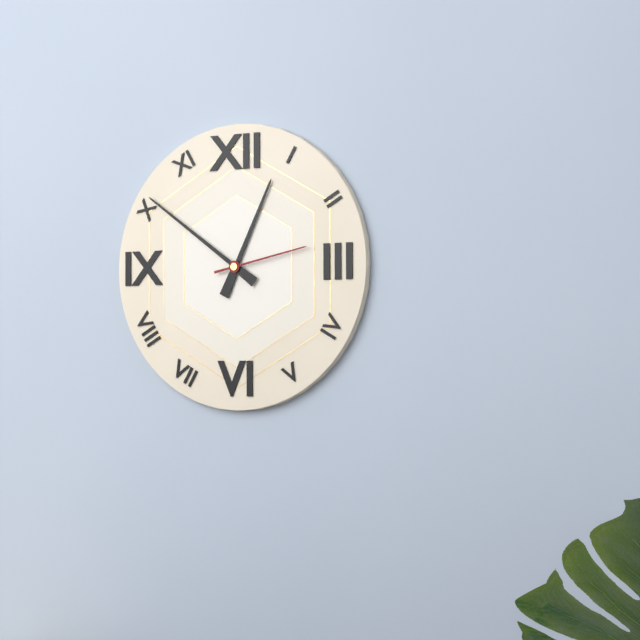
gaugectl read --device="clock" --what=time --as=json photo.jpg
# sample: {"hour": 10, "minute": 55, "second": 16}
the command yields {"hour": 12, "minute": 51, "second": 13}
